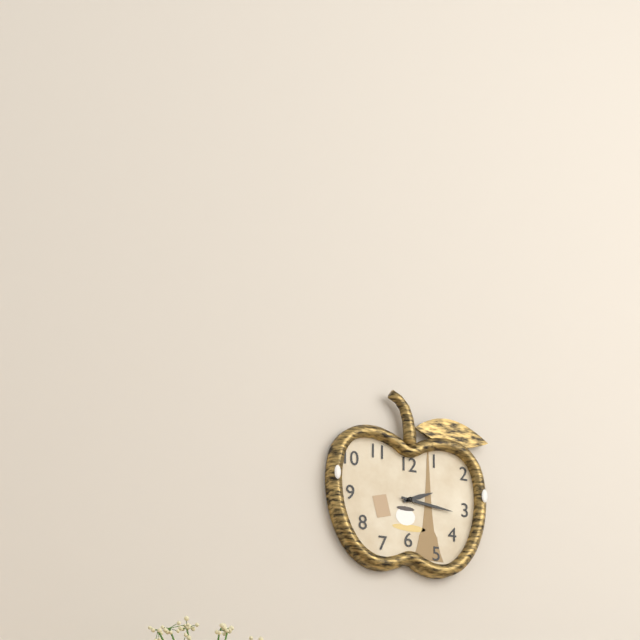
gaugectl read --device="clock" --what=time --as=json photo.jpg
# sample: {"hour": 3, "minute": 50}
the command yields {"hour": 2, "minute": 16}
